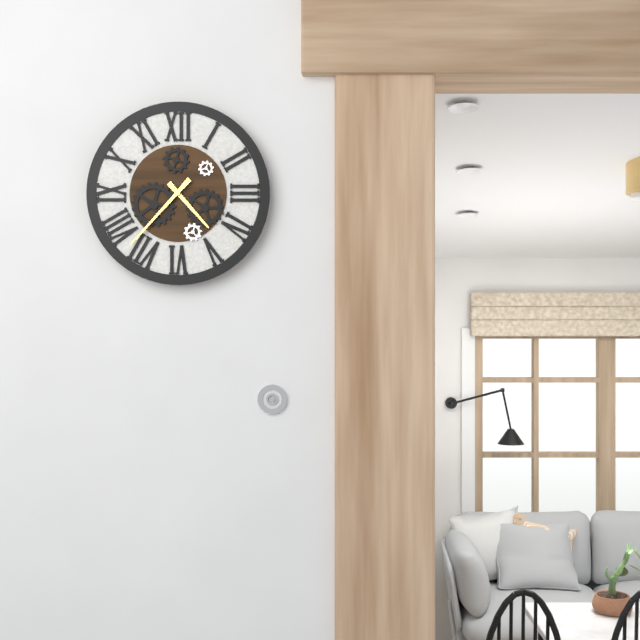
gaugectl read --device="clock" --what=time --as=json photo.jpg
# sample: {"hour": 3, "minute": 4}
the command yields {"hour": 4, "minute": 37}
